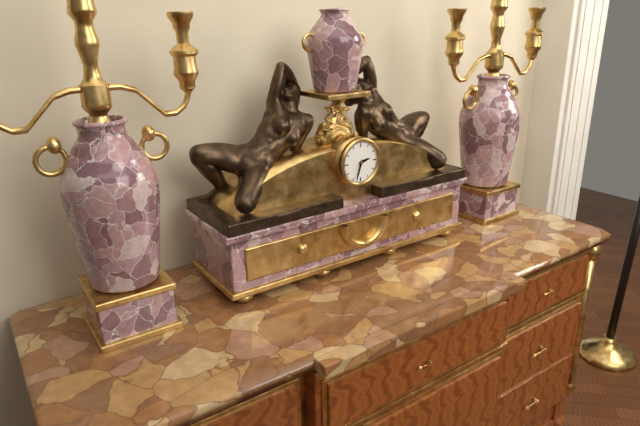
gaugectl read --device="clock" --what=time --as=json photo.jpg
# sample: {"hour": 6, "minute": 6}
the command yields {"hour": 2, "minute": 33}
